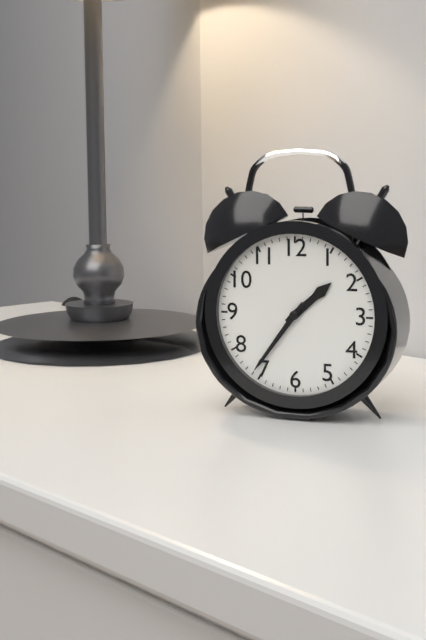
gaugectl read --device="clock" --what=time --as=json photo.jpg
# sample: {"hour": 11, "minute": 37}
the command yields {"hour": 1, "minute": 36}
